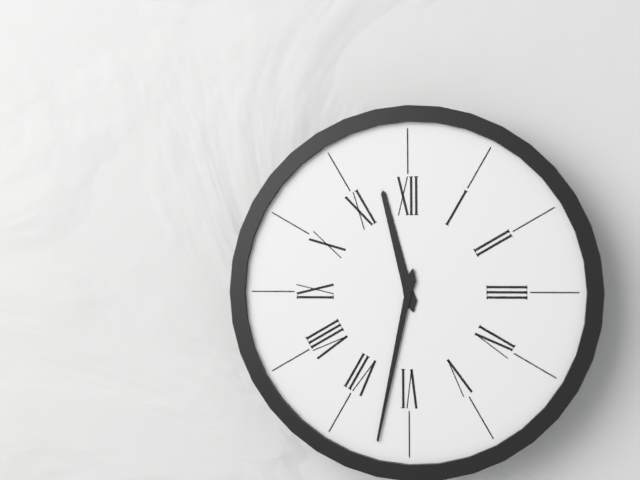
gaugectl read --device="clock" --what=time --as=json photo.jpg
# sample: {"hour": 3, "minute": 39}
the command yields {"hour": 11, "minute": 32}
